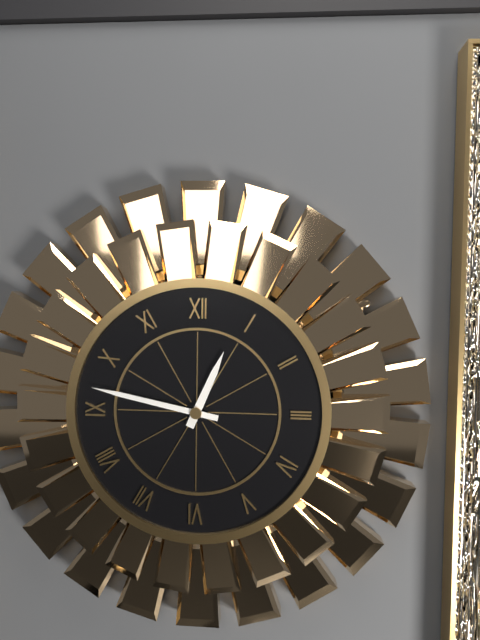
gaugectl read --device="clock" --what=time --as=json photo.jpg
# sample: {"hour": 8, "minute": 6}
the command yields {"hour": 12, "minute": 47}
